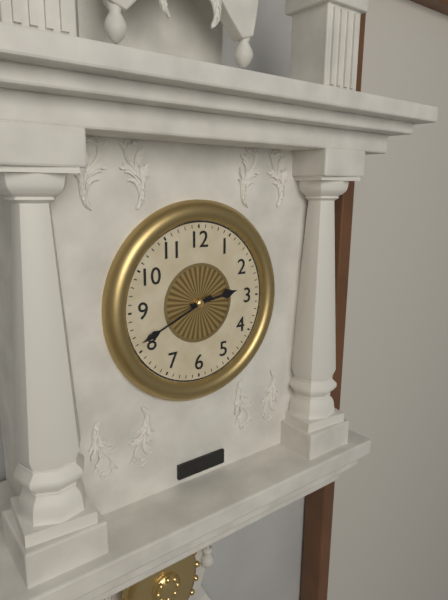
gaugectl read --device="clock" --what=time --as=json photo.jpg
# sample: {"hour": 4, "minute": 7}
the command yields {"hour": 2, "minute": 41}
